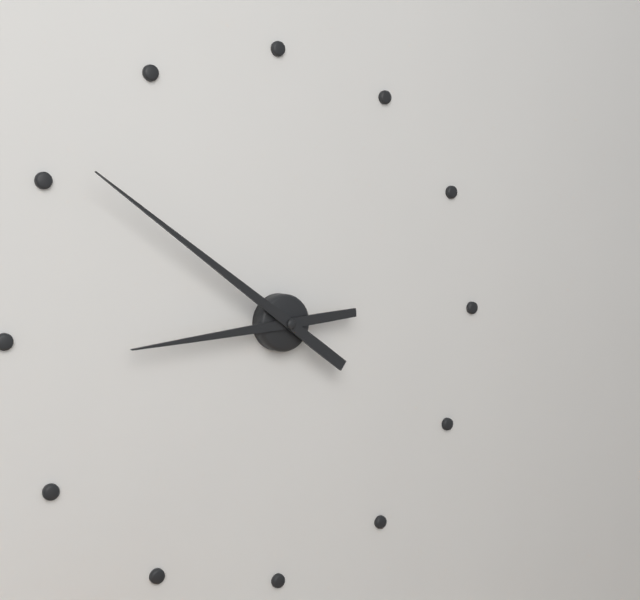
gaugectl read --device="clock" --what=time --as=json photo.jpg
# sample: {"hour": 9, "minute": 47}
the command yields {"hour": 8, "minute": 51}
